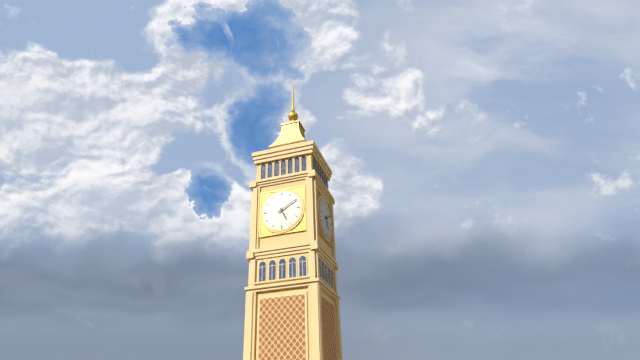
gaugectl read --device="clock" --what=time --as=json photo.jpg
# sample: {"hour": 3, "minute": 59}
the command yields {"hour": 5, "minute": 10}
